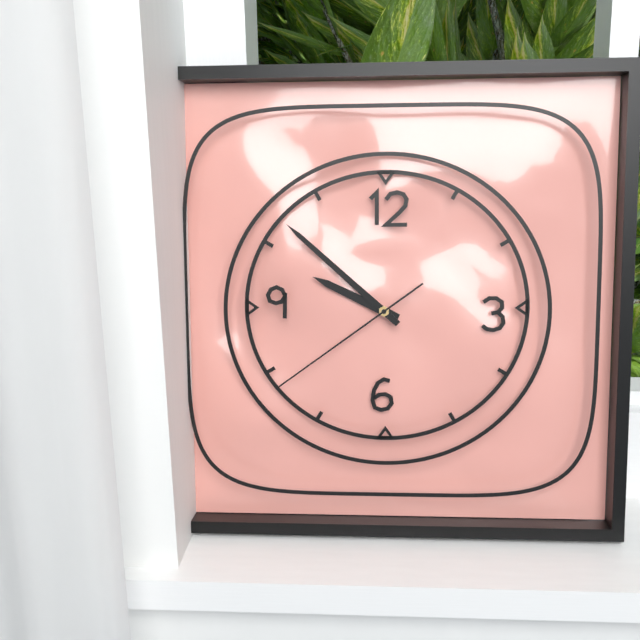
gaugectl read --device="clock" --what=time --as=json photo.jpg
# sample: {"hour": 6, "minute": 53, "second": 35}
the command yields {"hour": 9, "minute": 52, "second": 39}
